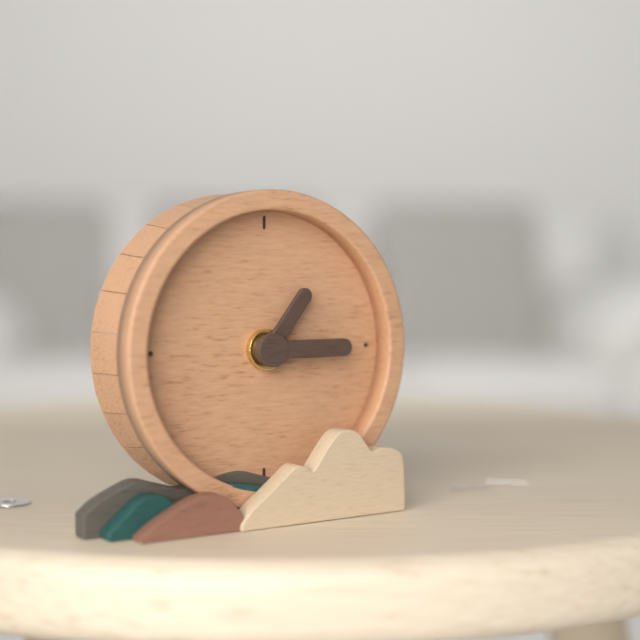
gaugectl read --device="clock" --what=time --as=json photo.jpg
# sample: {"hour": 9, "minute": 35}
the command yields {"hour": 1, "minute": 15}
